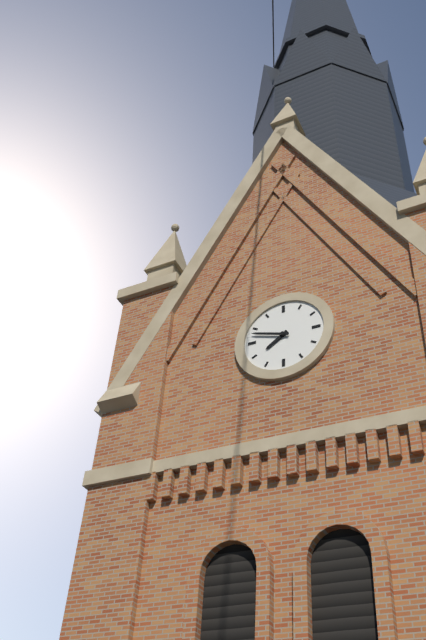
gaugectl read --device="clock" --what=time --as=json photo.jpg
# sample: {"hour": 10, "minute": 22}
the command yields {"hour": 7, "minute": 48}
